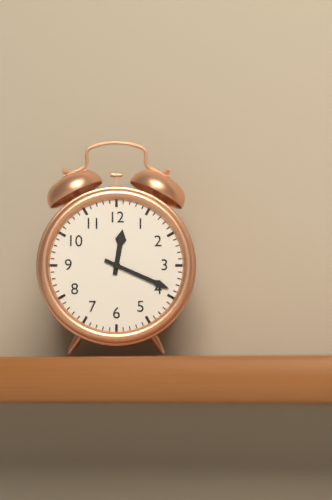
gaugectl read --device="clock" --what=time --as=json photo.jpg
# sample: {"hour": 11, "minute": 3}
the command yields {"hour": 12, "minute": 19}
